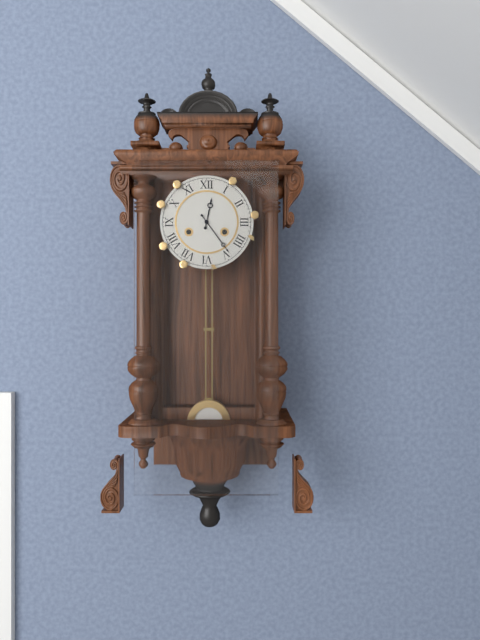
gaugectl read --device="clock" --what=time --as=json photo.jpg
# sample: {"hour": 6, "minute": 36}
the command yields {"hour": 12, "minute": 24}
